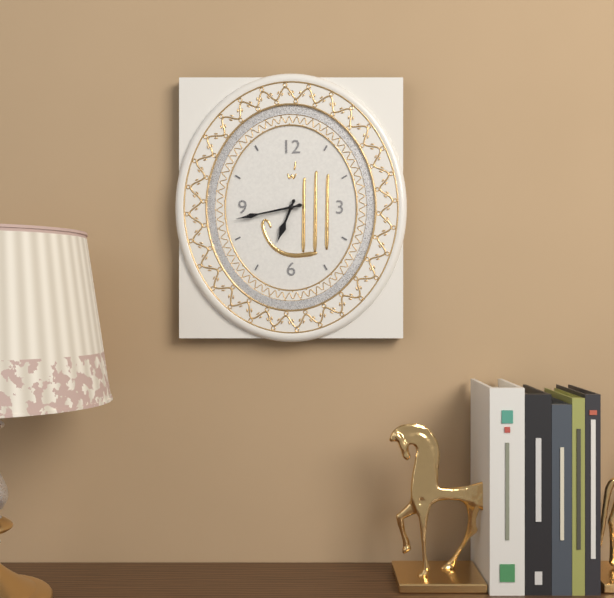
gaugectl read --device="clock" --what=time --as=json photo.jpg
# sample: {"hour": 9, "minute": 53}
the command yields {"hour": 6, "minute": 43}
